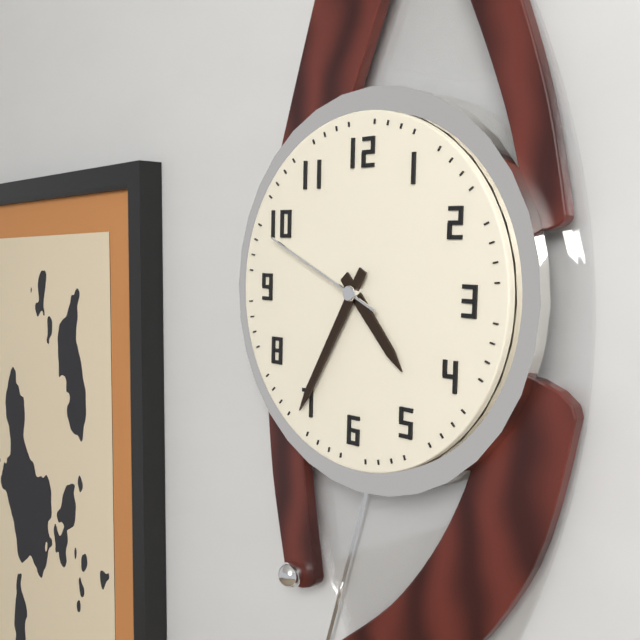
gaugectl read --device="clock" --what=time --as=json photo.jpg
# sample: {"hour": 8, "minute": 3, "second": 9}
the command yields {"hour": 4, "minute": 35, "second": 49}
